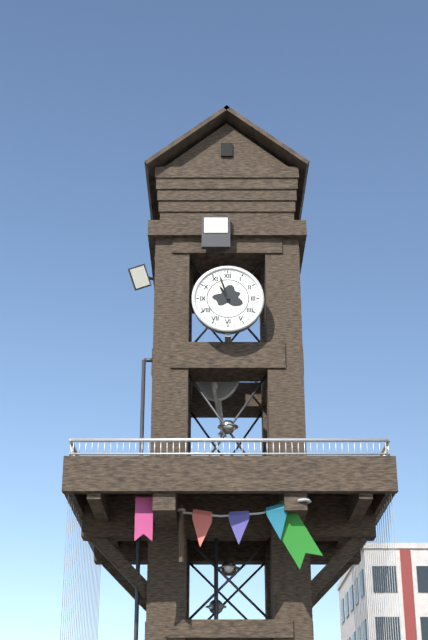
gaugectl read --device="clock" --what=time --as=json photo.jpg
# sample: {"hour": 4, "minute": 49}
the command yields {"hour": 10, "minute": 57}
